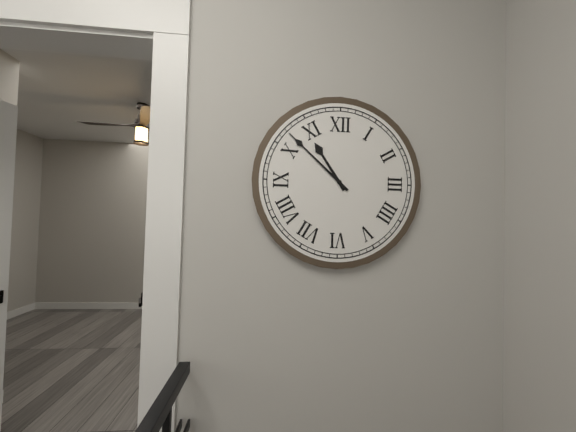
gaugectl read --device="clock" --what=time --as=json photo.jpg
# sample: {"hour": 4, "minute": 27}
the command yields {"hour": 10, "minute": 52}
